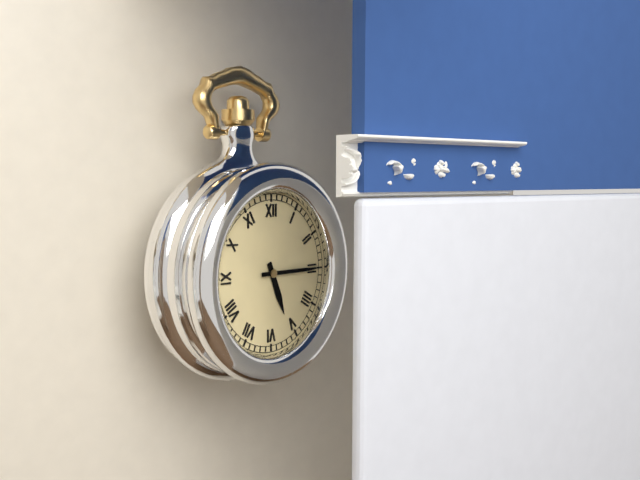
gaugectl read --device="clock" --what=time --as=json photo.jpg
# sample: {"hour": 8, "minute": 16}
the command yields {"hour": 5, "minute": 15}
